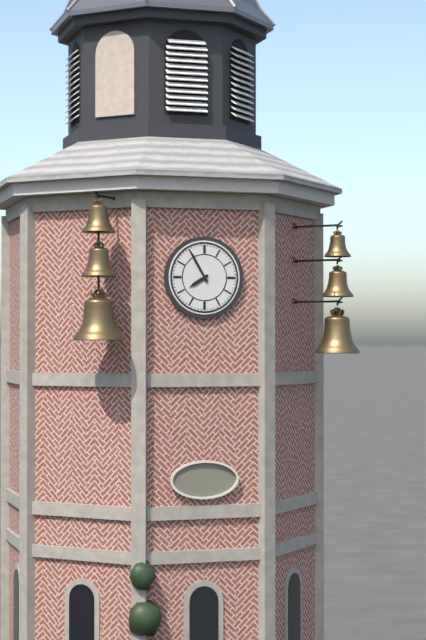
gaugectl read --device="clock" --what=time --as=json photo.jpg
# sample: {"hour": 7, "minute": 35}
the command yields {"hour": 7, "minute": 55}
